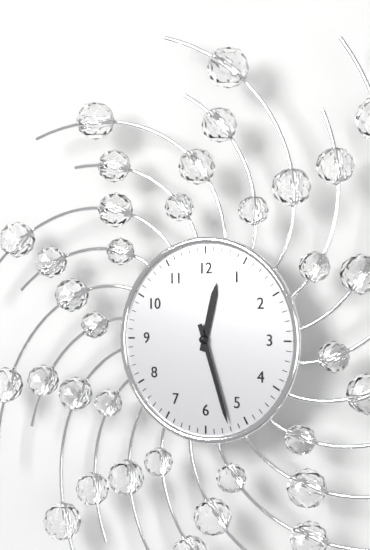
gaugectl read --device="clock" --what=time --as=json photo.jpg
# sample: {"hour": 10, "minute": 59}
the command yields {"hour": 12, "minute": 27}
